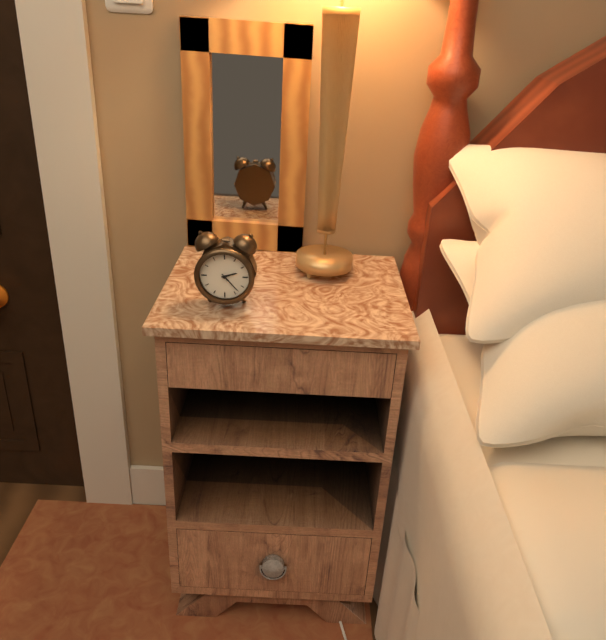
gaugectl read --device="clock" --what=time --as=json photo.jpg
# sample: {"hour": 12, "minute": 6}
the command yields {"hour": 2, "minute": 23}
